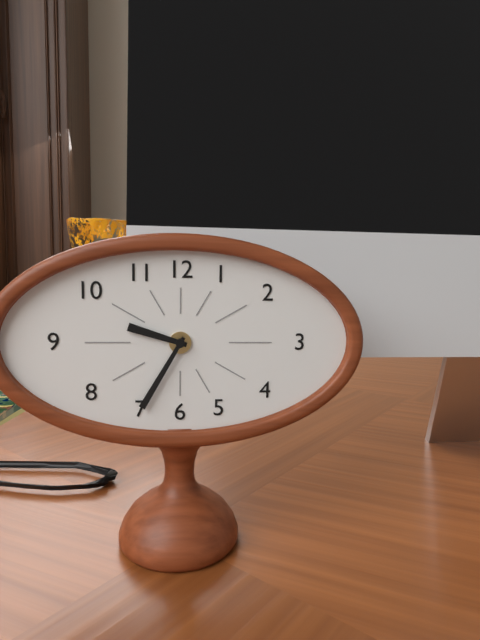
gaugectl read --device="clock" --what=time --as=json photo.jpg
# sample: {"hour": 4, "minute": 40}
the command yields {"hour": 9, "minute": 35}
